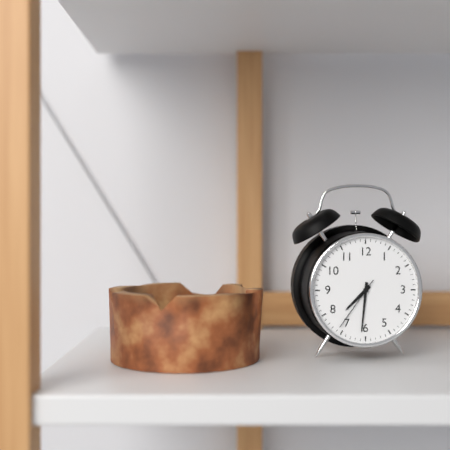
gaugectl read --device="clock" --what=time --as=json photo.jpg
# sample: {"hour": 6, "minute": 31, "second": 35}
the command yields {"hour": 7, "minute": 31, "second": 36}
